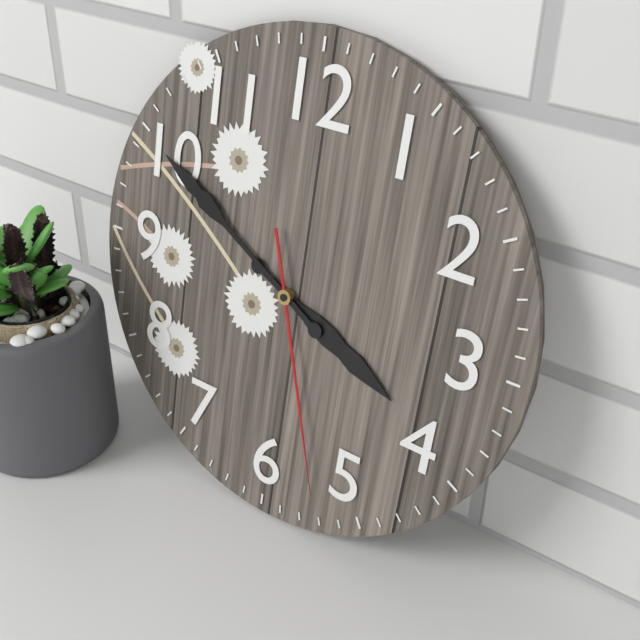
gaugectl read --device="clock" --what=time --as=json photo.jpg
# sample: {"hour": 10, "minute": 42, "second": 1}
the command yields {"hour": 3, "minute": 50, "second": 27}
